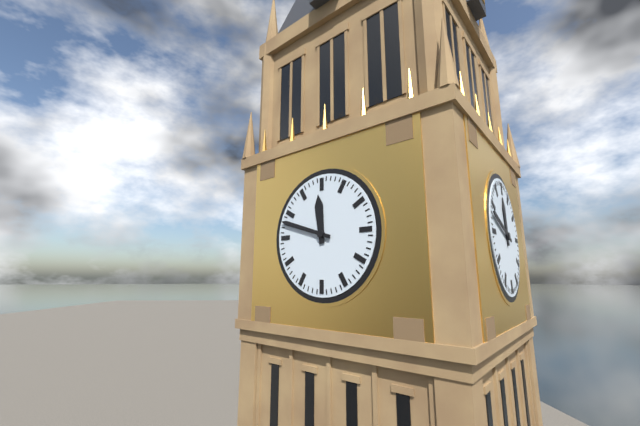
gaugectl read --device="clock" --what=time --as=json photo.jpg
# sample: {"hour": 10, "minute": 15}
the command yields {"hour": 11, "minute": 48}
